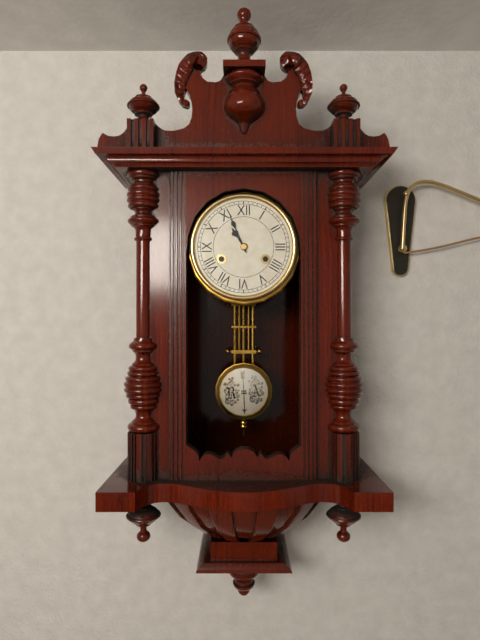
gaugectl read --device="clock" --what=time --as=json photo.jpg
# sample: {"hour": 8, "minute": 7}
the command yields {"hour": 10, "minute": 56}
